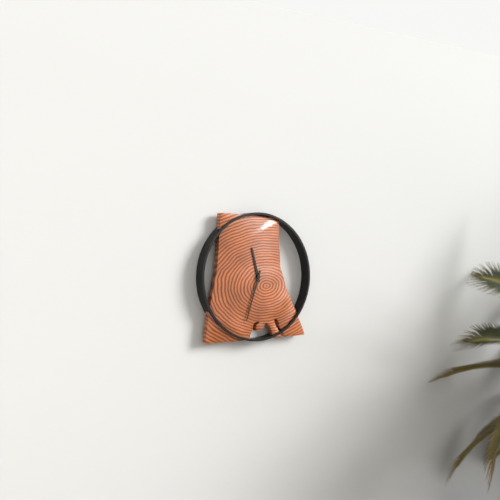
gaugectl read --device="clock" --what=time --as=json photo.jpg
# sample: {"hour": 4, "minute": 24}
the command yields {"hour": 11, "minute": 33}
